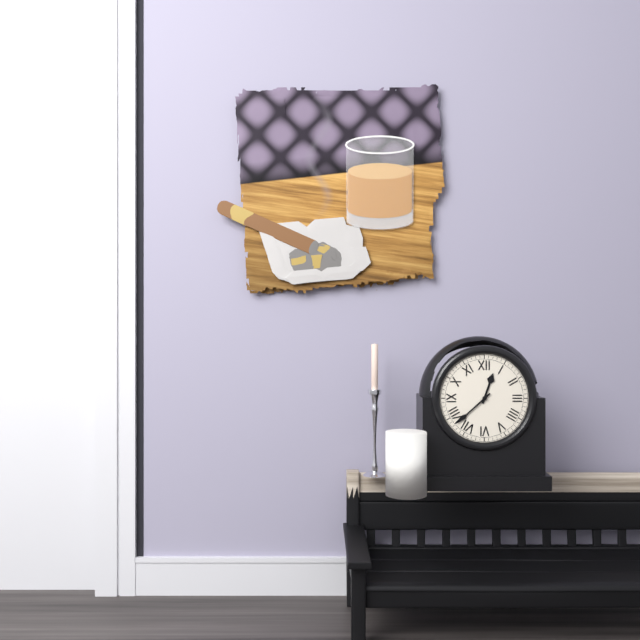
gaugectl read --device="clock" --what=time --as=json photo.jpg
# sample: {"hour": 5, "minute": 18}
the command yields {"hour": 12, "minute": 38}
